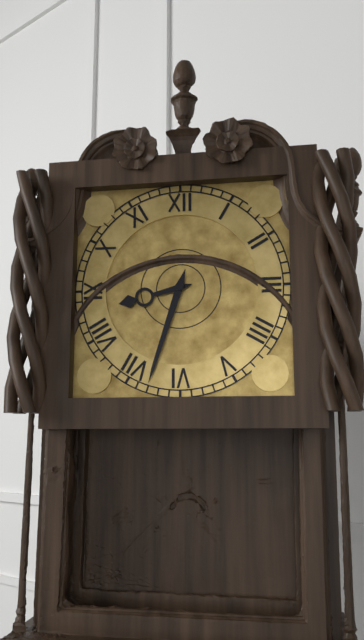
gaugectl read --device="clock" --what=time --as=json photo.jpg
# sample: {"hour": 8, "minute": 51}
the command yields {"hour": 8, "minute": 33}
